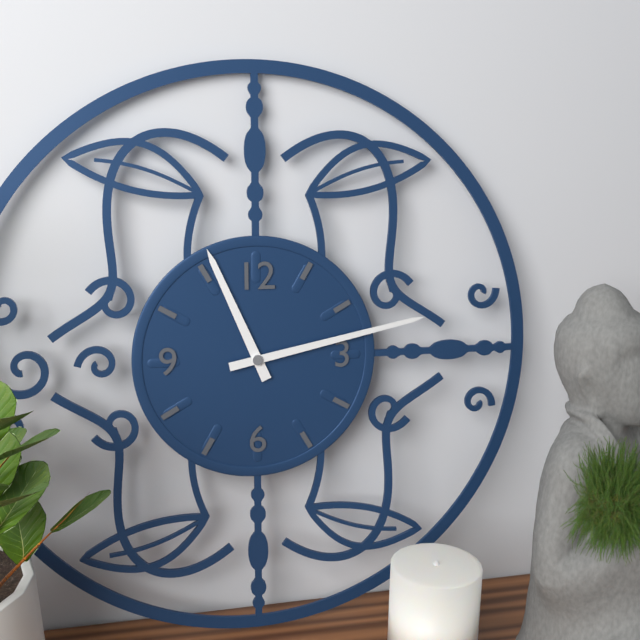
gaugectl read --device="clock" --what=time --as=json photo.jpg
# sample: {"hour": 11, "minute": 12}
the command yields {"hour": 11, "minute": 13}
